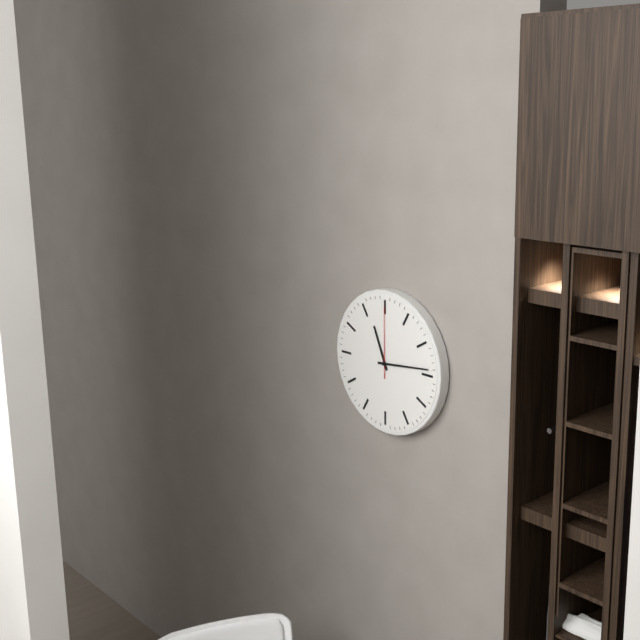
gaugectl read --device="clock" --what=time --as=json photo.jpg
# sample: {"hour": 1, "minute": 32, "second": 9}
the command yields {"hour": 11, "minute": 14, "second": 0}
